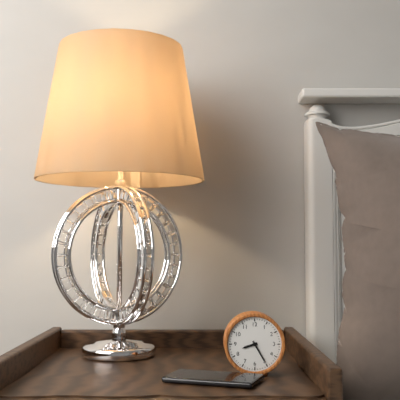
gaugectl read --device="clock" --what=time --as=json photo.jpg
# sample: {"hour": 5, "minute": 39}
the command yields {"hour": 8, "minute": 25}
